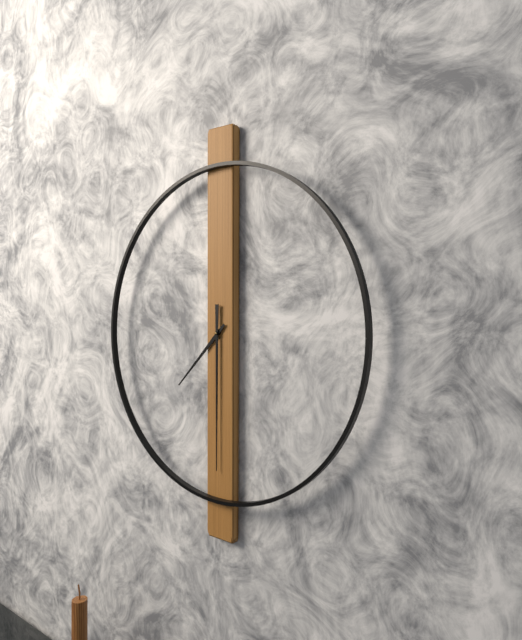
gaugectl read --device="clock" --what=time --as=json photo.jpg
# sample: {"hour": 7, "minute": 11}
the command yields {"hour": 7, "minute": 30}
